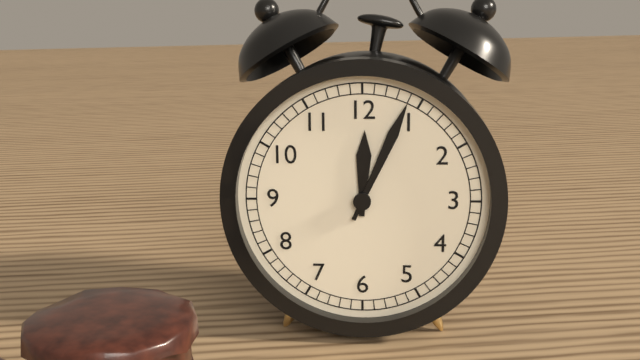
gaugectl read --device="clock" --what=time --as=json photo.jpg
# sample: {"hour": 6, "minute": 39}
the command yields {"hour": 12, "minute": 4}
